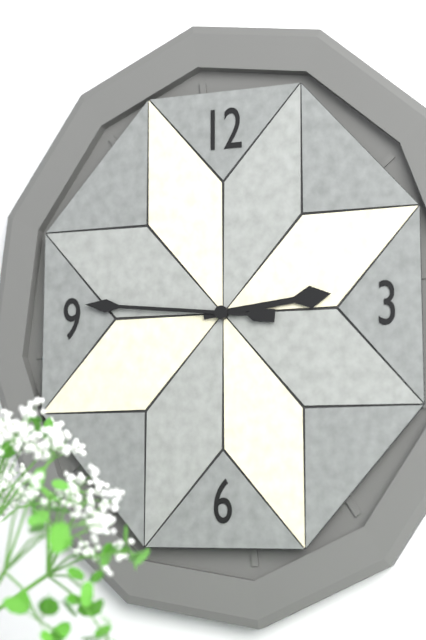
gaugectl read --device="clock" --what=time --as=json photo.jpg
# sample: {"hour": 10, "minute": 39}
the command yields {"hour": 2, "minute": 46}
